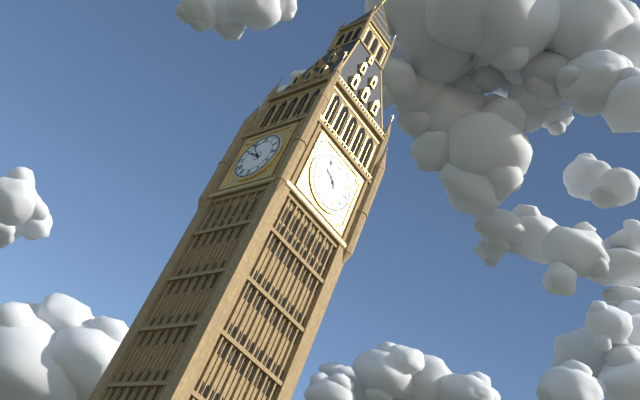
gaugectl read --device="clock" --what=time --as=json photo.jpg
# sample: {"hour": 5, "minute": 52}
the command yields {"hour": 9, "minute": 54}
